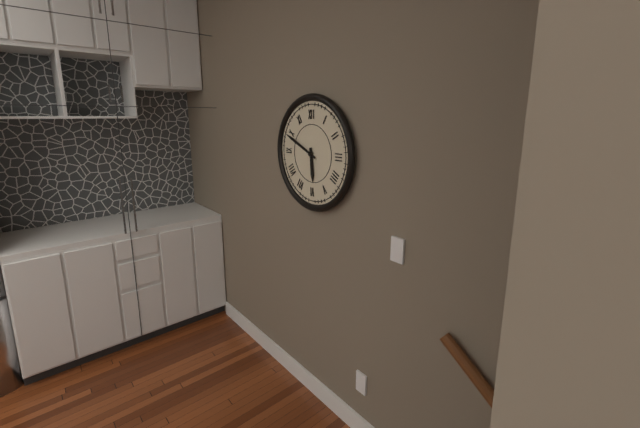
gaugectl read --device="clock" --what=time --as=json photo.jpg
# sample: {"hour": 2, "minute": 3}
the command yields {"hour": 5, "minute": 49}
